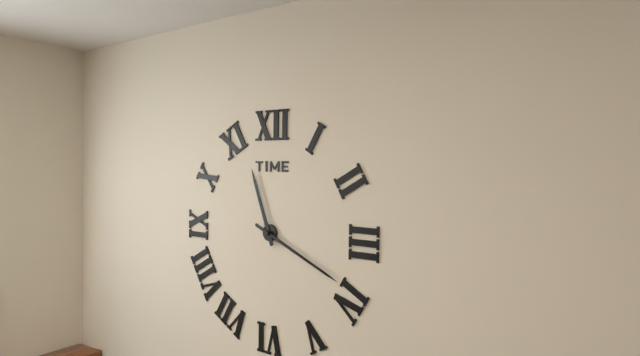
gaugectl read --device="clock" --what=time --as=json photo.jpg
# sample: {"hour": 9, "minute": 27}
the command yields {"hour": 11, "minute": 19}
